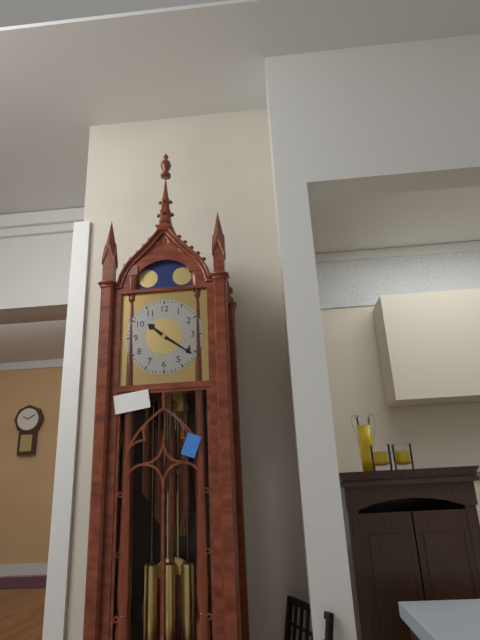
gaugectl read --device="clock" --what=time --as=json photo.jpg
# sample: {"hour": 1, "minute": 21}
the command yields {"hour": 10, "minute": 21}
